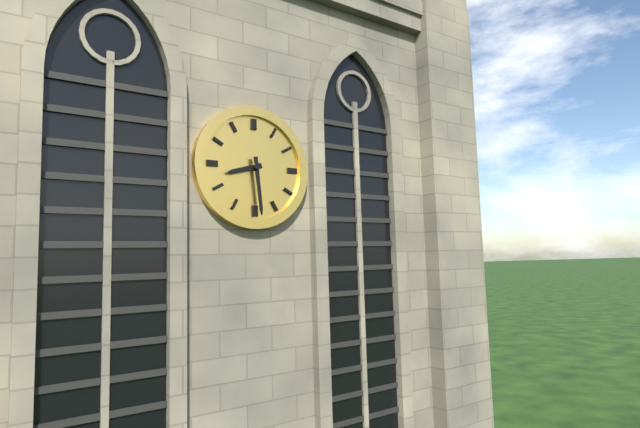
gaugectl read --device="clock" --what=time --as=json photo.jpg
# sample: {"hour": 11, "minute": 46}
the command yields {"hour": 8, "minute": 29}
